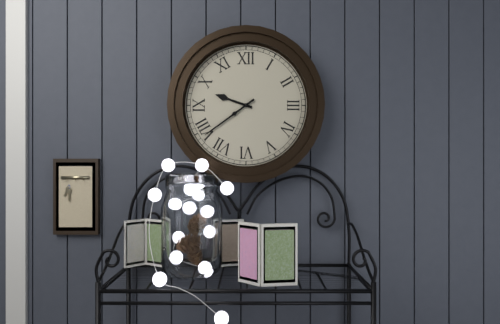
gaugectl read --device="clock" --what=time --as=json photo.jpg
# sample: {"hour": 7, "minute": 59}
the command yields {"hour": 9, "minute": 39}
